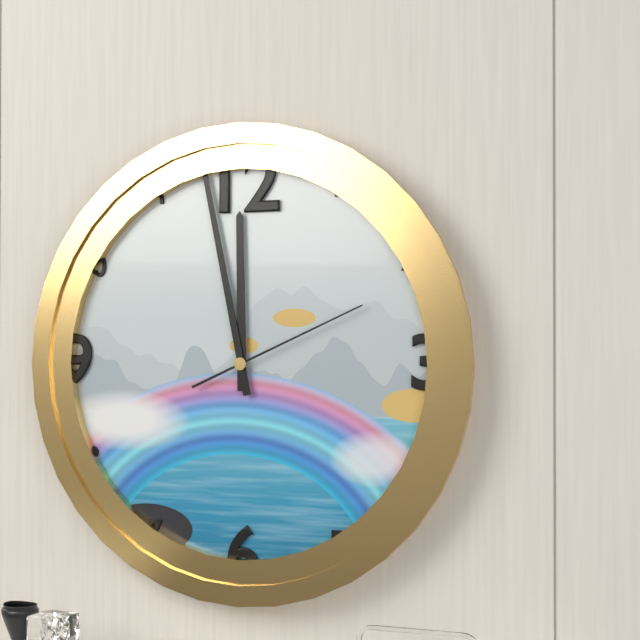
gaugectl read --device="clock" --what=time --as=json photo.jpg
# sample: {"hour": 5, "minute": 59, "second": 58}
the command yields {"hour": 11, "minute": 58, "second": 11}
